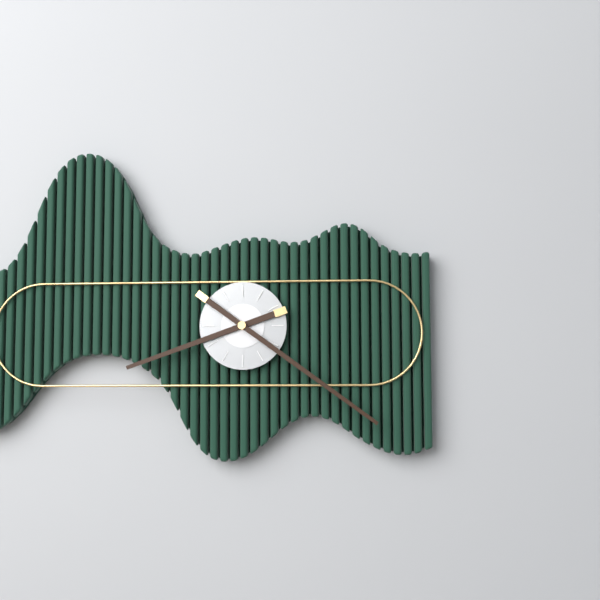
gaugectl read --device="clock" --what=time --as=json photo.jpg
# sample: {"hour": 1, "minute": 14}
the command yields {"hour": 8, "minute": 21}
